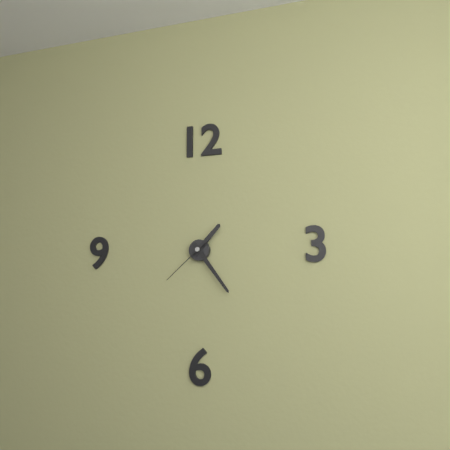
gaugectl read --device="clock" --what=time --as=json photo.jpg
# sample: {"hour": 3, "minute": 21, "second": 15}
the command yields {"hour": 1, "minute": 24, "second": 38}
